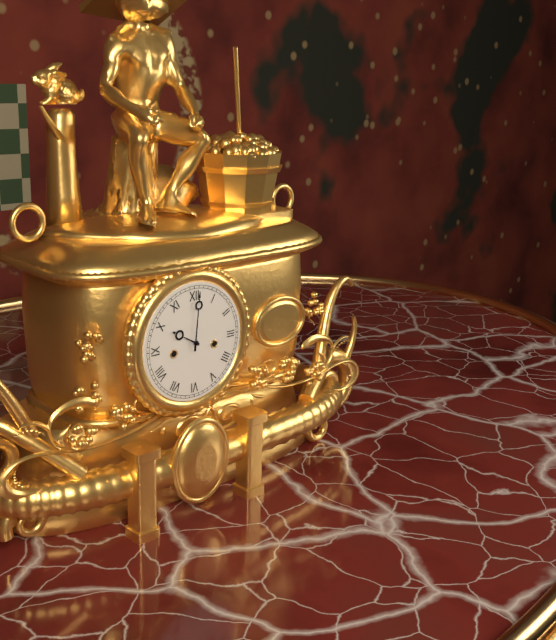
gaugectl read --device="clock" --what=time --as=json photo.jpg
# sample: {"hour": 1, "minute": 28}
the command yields {"hour": 10, "minute": 1}
